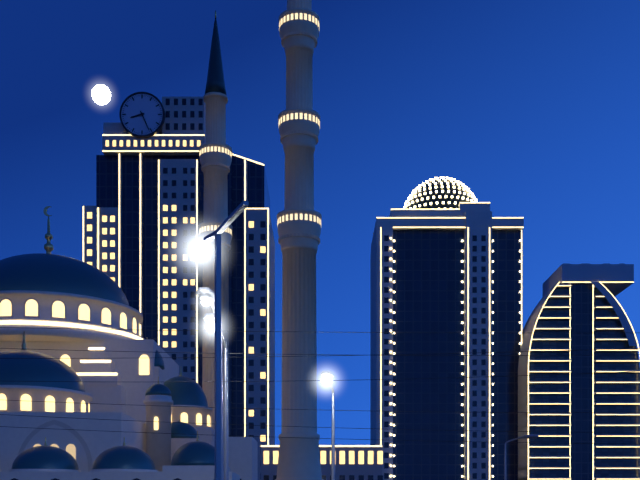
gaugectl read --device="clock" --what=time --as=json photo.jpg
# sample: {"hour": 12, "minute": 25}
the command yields {"hour": 8, "minute": 26}
